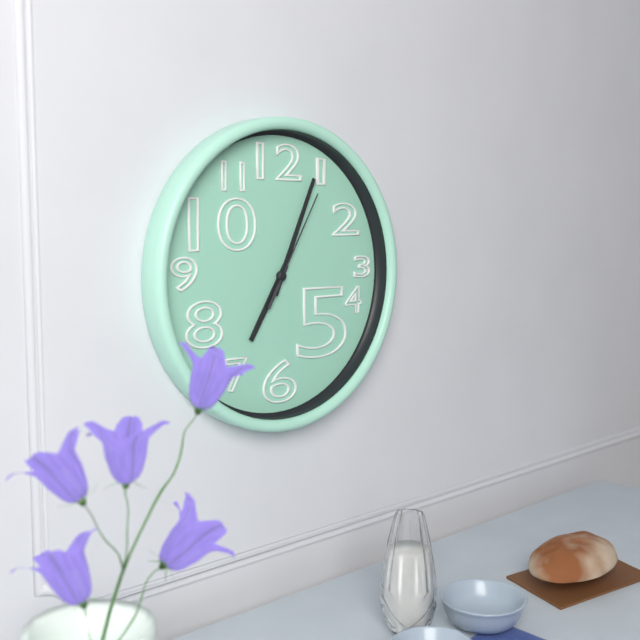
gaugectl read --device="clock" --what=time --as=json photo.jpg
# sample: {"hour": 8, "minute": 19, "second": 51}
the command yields {"hour": 7, "minute": 4, "second": 5}
